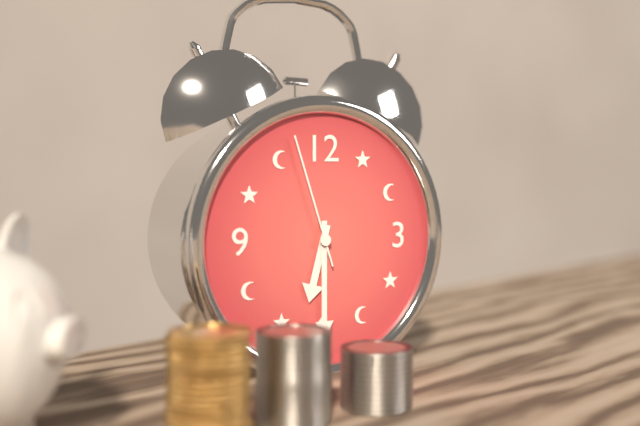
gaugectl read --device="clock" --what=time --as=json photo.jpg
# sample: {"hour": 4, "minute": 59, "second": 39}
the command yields {"hour": 6, "minute": 30, "second": 57}
